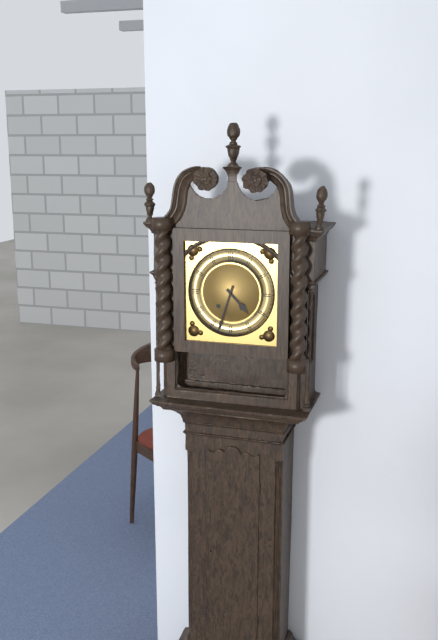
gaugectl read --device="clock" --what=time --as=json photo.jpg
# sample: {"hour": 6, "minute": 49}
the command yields {"hour": 4, "minute": 33}
